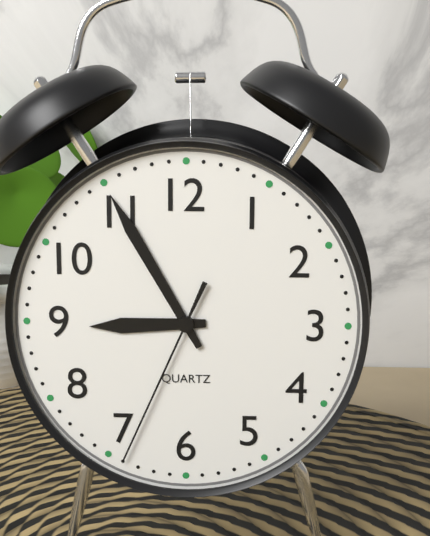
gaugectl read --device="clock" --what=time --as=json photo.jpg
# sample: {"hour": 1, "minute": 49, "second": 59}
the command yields {"hour": 8, "minute": 55, "second": 34}
